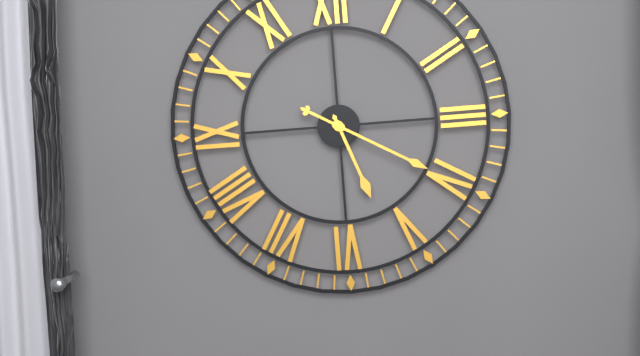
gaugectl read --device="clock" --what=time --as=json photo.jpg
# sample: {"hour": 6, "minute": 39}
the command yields {"hour": 5, "minute": 20}
